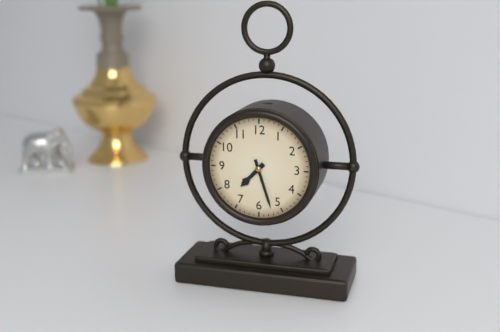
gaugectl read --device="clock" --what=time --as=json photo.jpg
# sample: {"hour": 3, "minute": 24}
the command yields {"hour": 7, "minute": 27}
